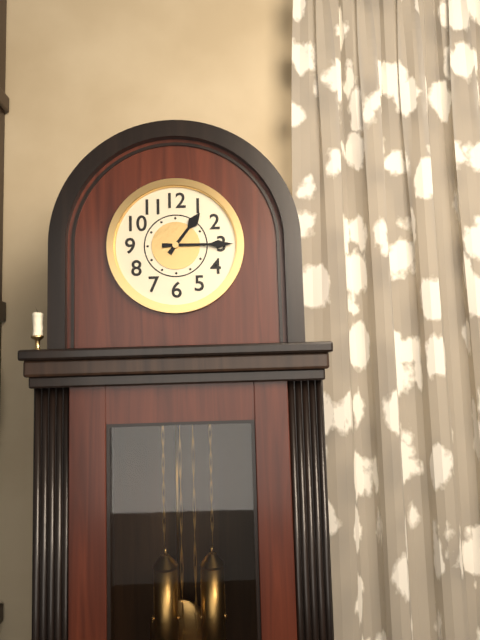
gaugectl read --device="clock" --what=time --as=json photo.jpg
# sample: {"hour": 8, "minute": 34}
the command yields {"hour": 1, "minute": 15}
